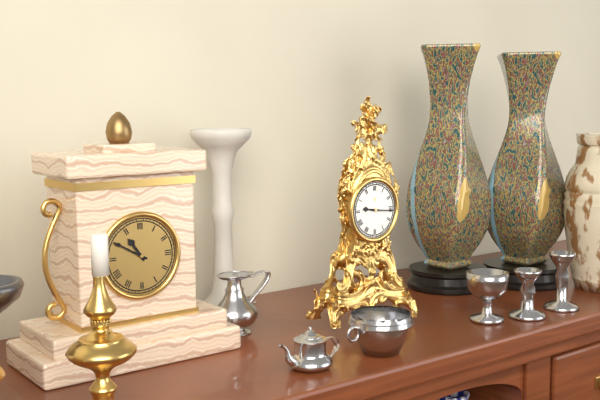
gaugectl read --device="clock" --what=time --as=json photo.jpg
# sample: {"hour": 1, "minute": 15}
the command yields {"hour": 9, "minute": 16}
